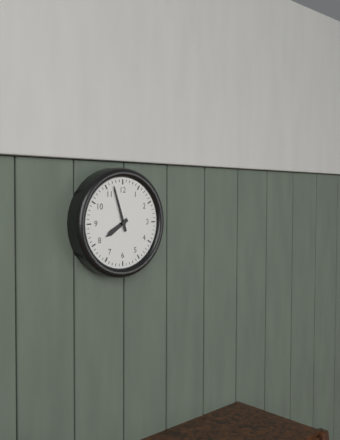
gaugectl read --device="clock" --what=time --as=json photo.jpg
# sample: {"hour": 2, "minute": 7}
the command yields {"hour": 7, "minute": 57}
